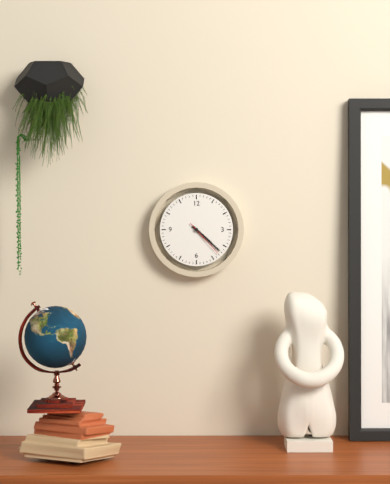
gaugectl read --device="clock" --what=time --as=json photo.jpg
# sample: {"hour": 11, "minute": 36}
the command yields {"hour": 4, "minute": 22}
